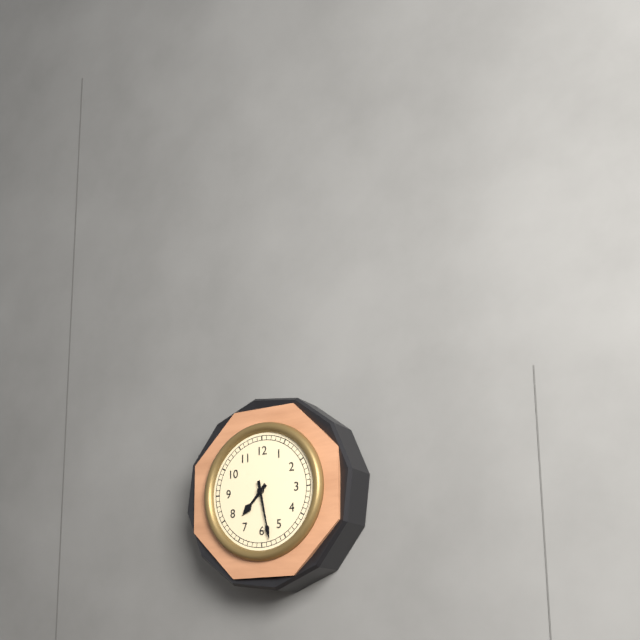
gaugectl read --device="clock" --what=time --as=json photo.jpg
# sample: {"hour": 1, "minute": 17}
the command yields {"hour": 7, "minute": 28}
